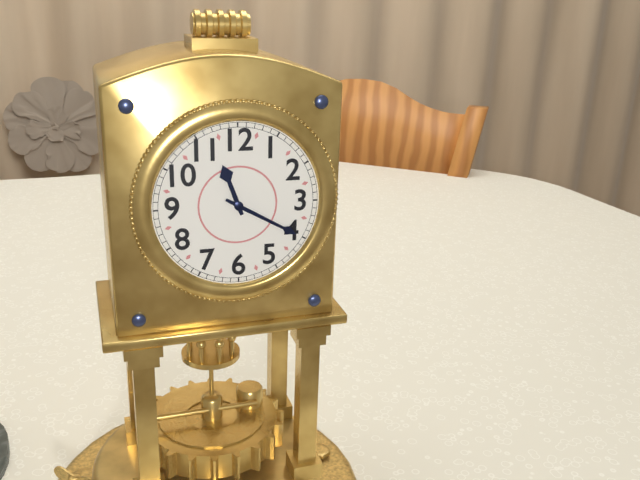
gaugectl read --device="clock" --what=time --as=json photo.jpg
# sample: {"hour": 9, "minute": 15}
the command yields {"hour": 11, "minute": 20}
